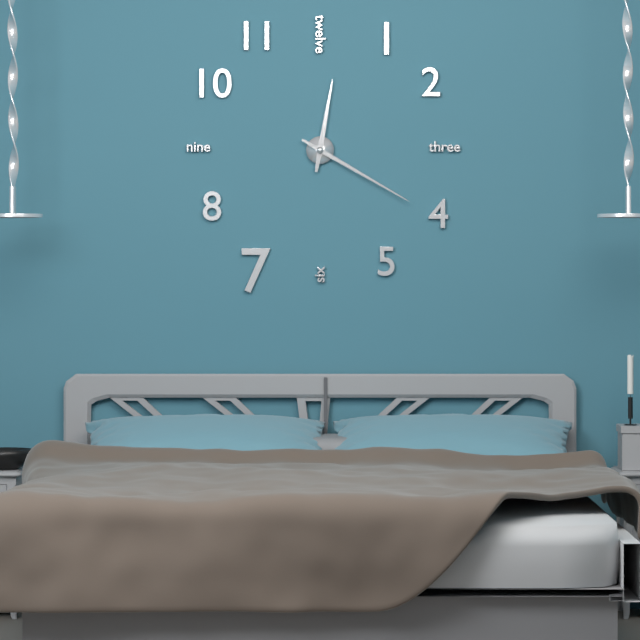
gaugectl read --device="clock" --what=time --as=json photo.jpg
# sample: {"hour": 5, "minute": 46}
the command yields {"hour": 12, "minute": 20}
